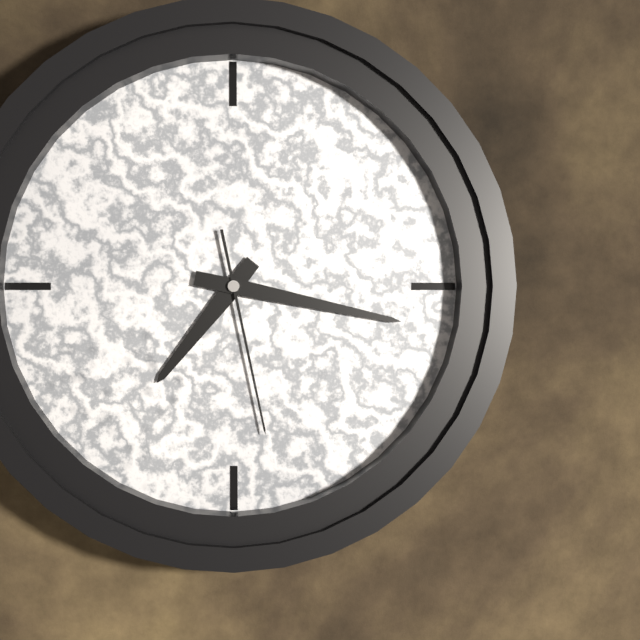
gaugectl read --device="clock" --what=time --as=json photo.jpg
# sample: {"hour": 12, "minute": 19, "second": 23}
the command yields {"hour": 7, "minute": 17, "second": 28}
